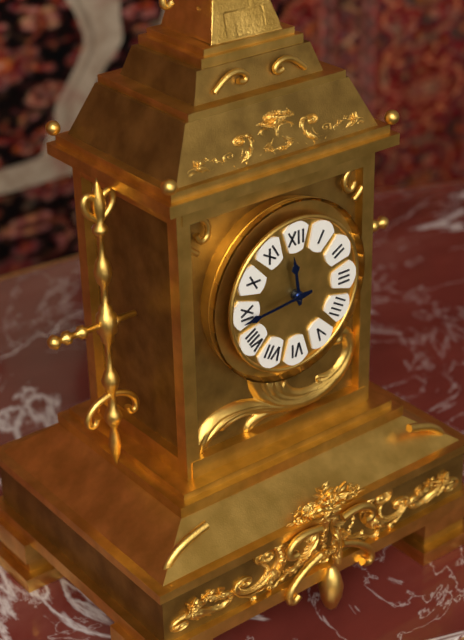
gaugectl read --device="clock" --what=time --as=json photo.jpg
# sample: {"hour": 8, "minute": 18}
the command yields {"hour": 11, "minute": 44}
